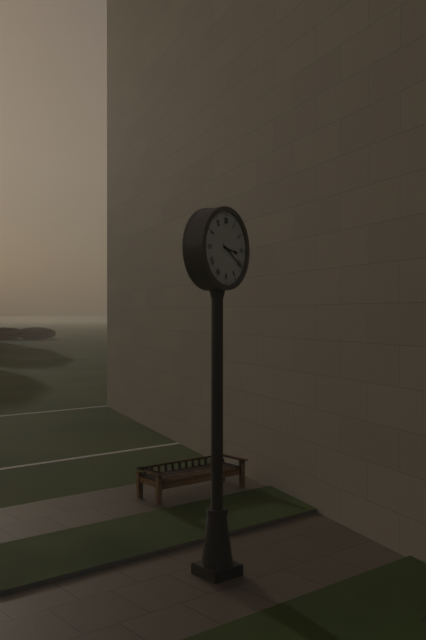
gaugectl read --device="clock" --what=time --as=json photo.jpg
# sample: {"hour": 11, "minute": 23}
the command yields {"hour": 3, "minute": 20}
